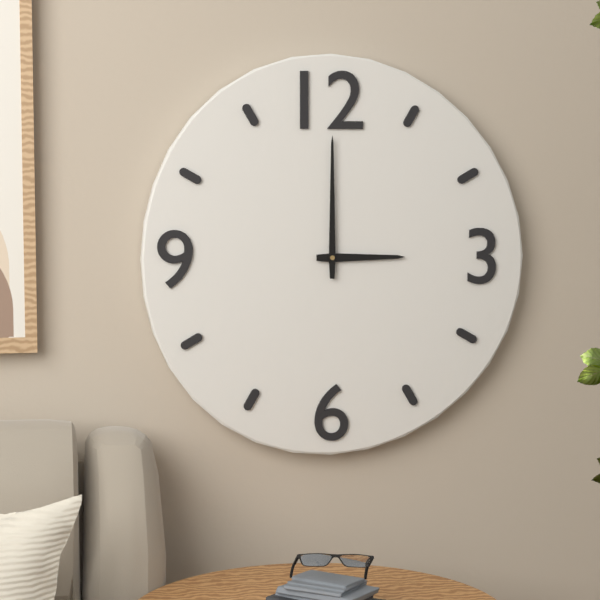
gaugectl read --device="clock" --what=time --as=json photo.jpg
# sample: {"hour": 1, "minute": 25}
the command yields {"hour": 3, "minute": 0}
